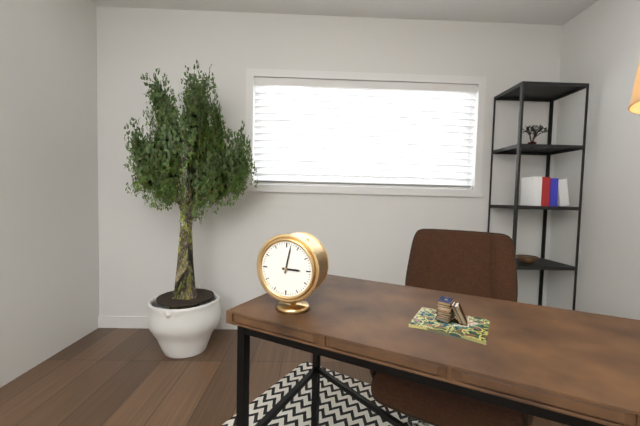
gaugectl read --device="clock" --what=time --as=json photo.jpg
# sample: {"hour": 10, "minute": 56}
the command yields {"hour": 3, "minute": 2}
